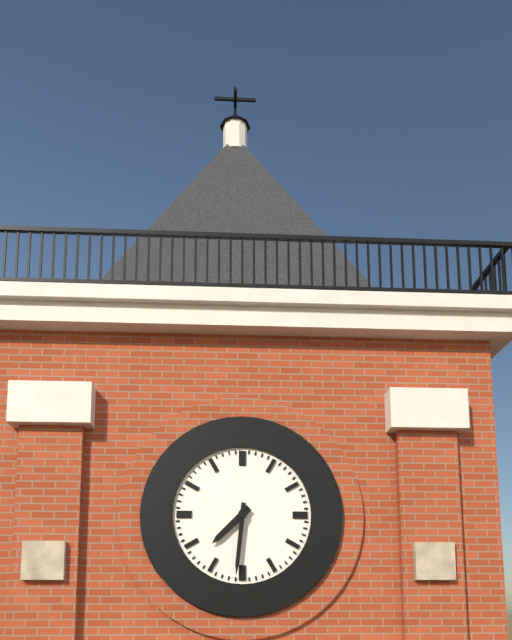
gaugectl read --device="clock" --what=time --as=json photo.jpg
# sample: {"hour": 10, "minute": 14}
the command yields {"hour": 7, "minute": 31}
